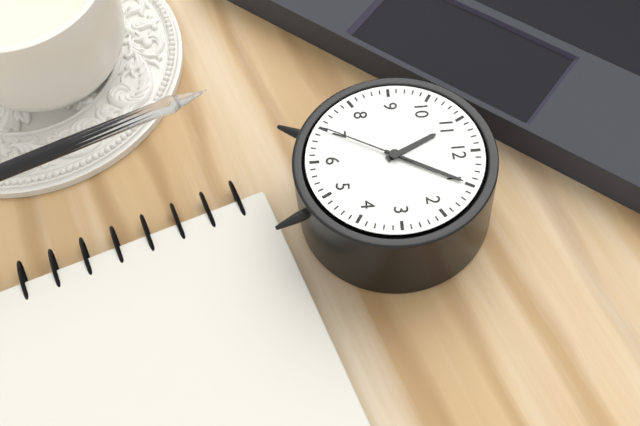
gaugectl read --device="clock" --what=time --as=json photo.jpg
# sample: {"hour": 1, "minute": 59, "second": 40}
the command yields {"hour": 11, "minute": 5, "second": 35}
